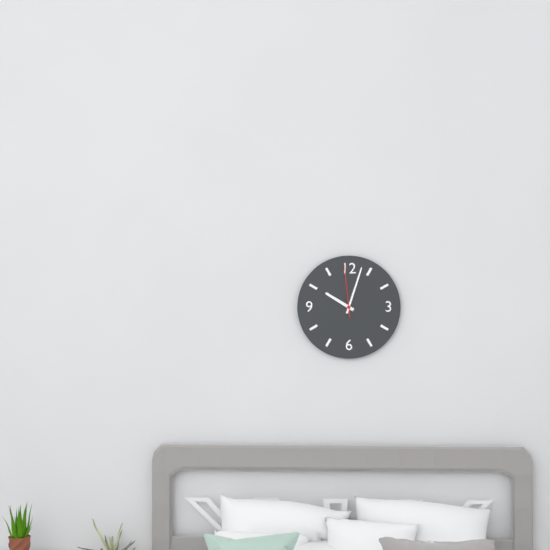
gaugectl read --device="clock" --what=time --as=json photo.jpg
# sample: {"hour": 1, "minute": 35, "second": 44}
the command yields {"hour": 10, "minute": 3, "second": 59}
